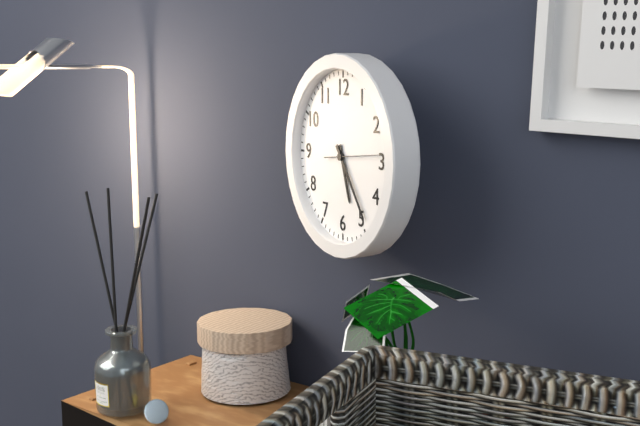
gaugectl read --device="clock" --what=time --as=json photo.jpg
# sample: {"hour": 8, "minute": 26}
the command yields {"hour": 5, "minute": 24}
